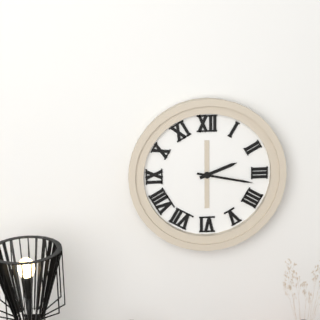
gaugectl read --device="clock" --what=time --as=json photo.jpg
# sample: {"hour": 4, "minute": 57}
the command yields {"hour": 2, "minute": 17}
